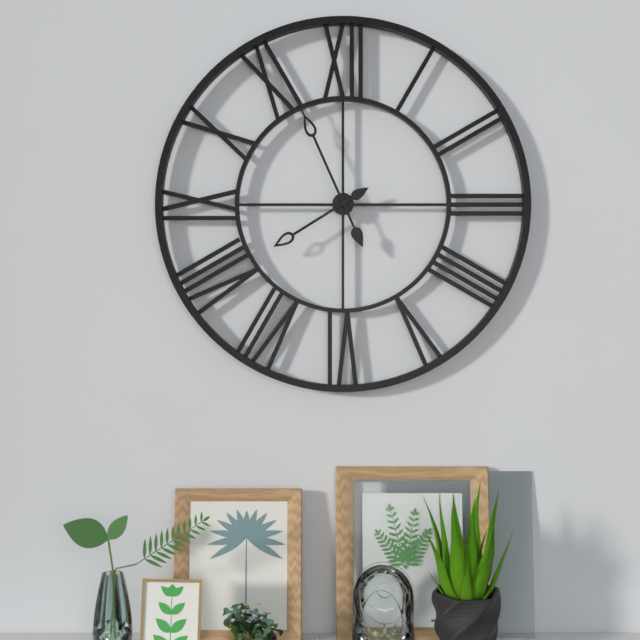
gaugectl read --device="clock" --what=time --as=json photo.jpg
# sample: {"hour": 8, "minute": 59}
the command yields {"hour": 7, "minute": 56}
